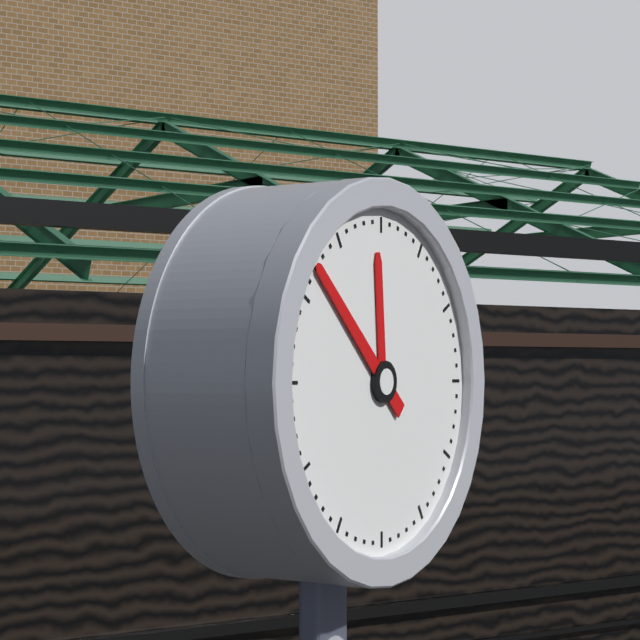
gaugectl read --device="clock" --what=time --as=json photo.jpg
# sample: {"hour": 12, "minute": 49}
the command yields {"hour": 11, "minute": 52}
